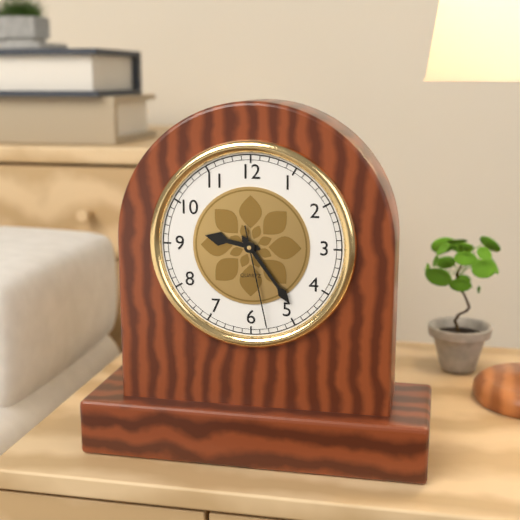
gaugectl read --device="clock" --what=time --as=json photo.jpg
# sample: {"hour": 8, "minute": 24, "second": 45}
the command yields {"hour": 9, "minute": 24, "second": 28}
